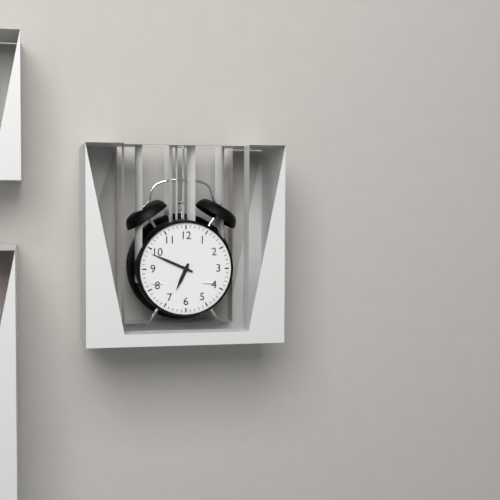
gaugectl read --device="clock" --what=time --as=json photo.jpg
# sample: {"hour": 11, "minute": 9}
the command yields {"hour": 6, "minute": 49}
